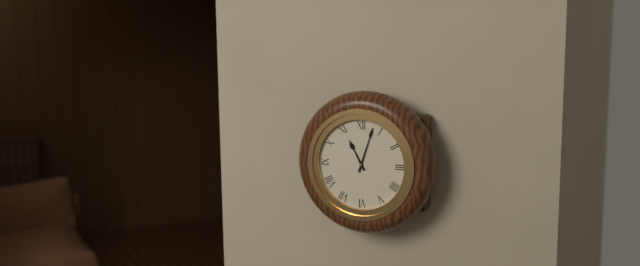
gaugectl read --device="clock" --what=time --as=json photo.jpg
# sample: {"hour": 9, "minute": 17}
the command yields {"hour": 11, "minute": 3}
